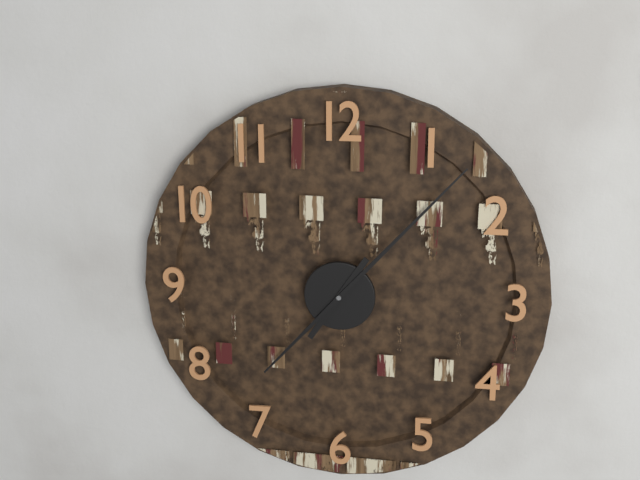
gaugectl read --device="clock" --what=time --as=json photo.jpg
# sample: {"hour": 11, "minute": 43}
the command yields {"hour": 7, "minute": 7}
